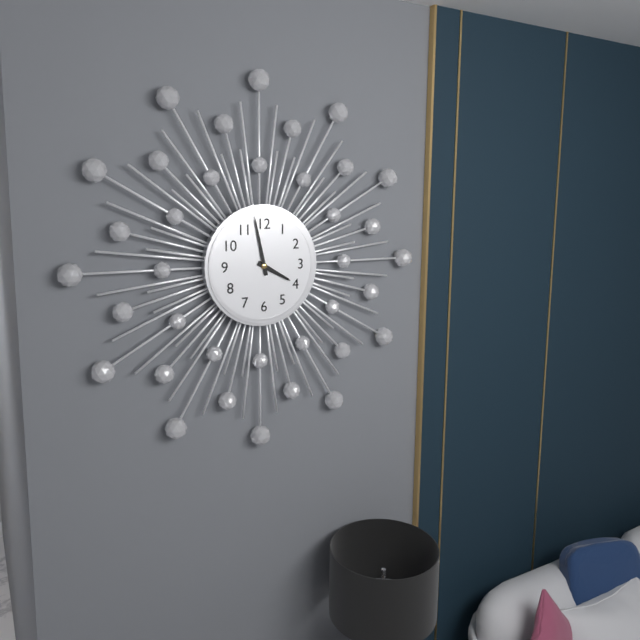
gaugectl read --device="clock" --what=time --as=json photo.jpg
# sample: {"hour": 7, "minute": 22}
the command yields {"hour": 3, "minute": 58}
